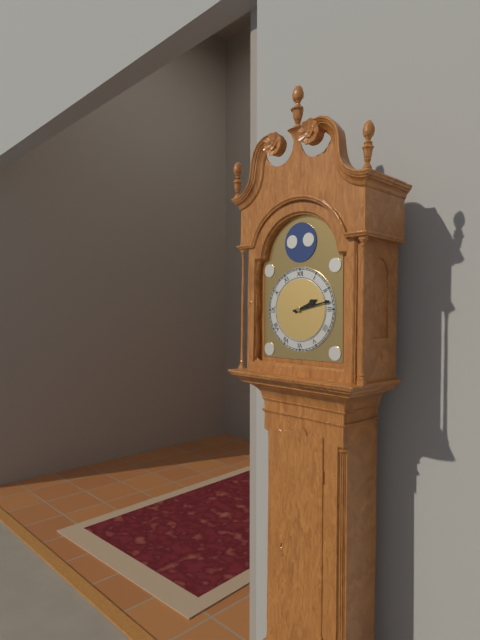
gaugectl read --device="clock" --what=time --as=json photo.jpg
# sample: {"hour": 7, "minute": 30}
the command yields {"hour": 2, "minute": 13}
